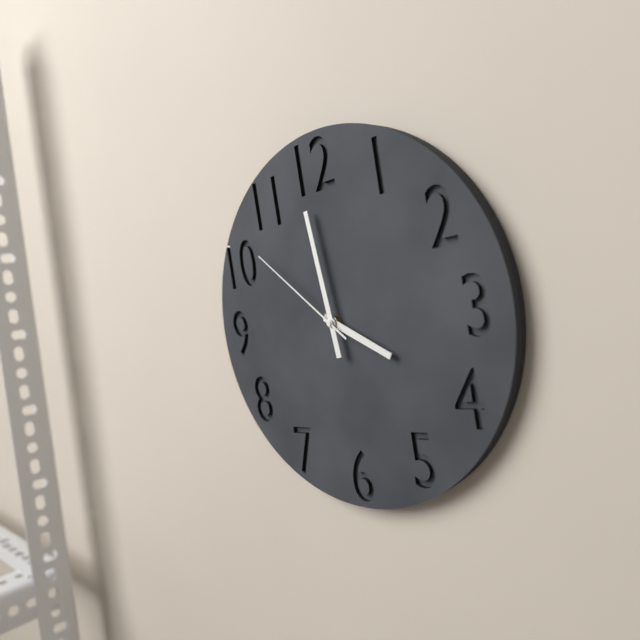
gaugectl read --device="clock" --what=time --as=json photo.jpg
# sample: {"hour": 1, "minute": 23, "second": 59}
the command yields {"hour": 3, "minute": 59, "second": 52}
